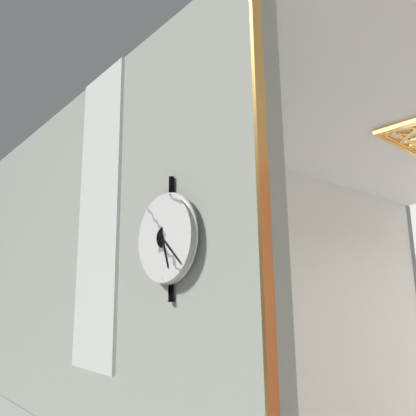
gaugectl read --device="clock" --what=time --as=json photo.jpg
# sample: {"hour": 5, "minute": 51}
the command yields {"hour": 5, "minute": 22}
